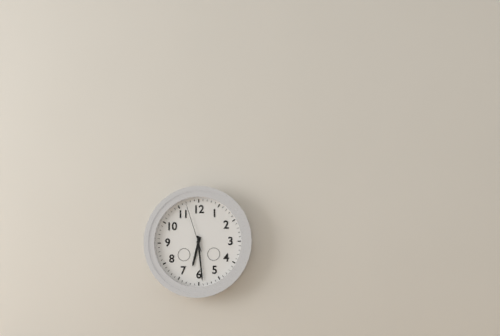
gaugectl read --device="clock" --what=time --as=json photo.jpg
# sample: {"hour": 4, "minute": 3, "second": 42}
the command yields {"hour": 6, "minute": 29, "second": 57}
